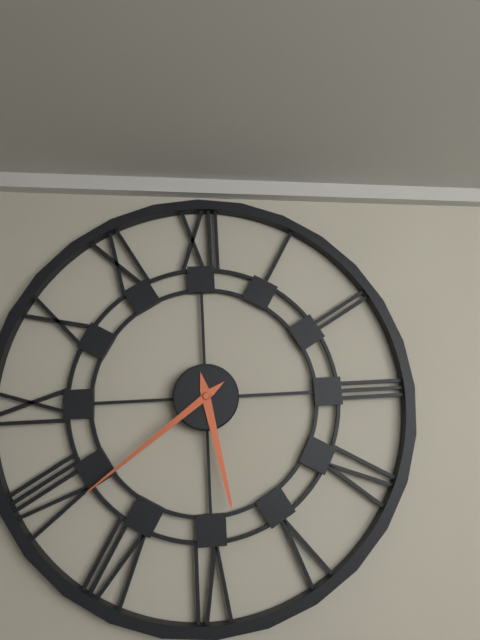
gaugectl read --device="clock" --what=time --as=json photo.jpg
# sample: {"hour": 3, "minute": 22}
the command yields {"hour": 5, "minute": 39}
